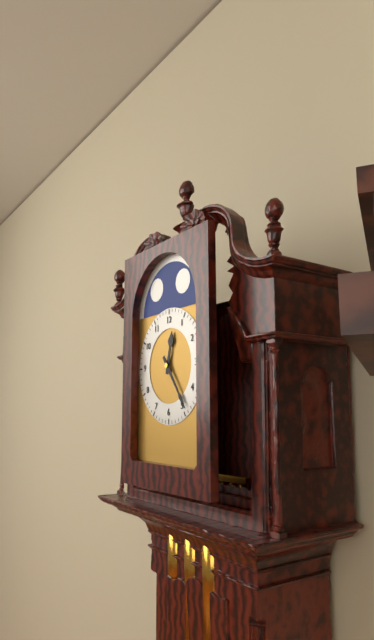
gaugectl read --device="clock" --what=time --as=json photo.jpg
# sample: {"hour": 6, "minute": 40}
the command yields {"hour": 12, "minute": 24}
